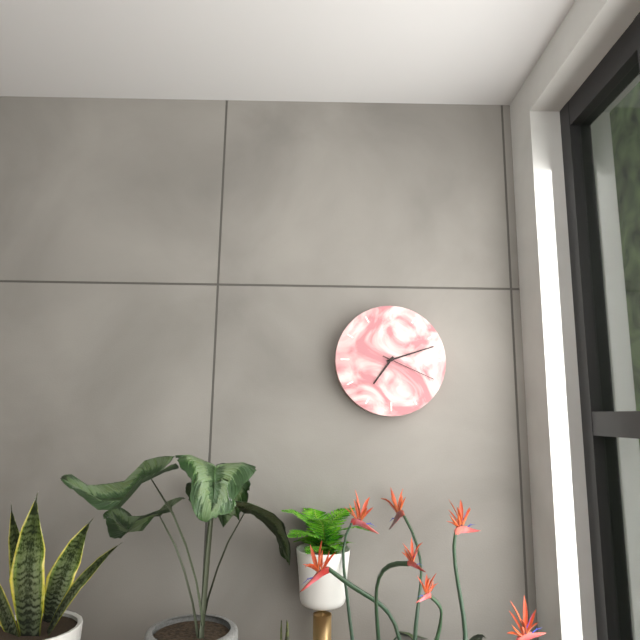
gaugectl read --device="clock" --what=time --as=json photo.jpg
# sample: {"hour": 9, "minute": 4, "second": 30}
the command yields {"hour": 7, "minute": 12, "second": 19}
